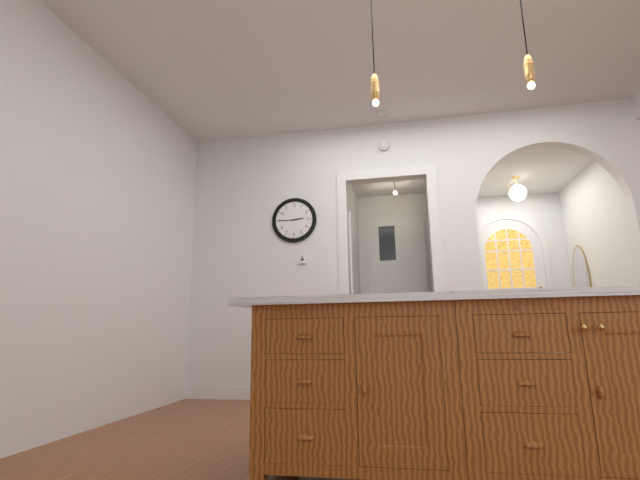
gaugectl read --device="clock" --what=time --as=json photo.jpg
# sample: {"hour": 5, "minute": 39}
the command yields {"hour": 2, "minute": 45}
